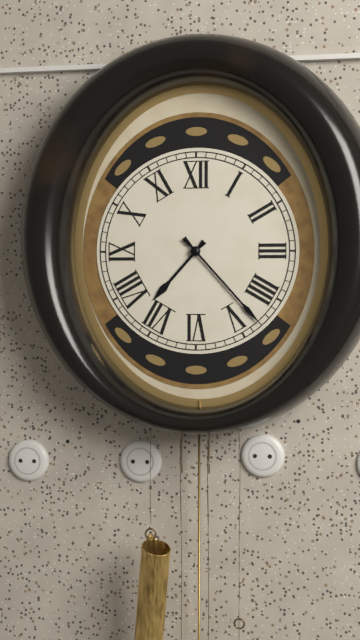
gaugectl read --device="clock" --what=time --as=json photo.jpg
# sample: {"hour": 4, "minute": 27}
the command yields {"hour": 7, "minute": 23}
